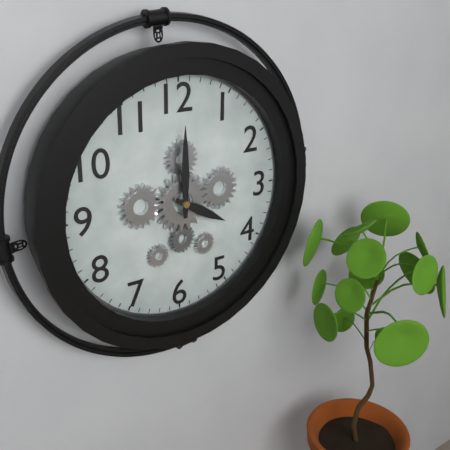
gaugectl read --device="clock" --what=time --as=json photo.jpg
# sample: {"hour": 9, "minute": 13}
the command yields {"hour": 4, "minute": 0}
